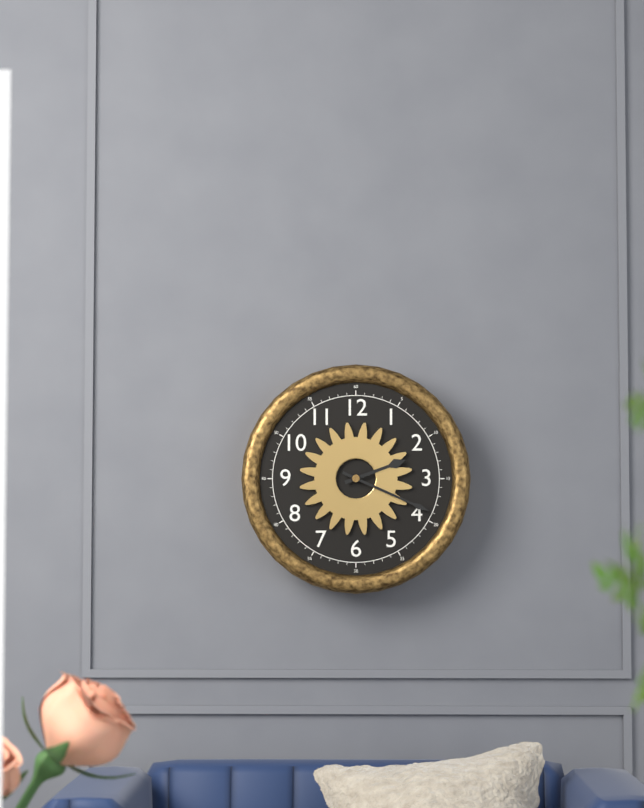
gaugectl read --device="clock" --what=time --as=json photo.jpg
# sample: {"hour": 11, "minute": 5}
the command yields {"hour": 2, "minute": 19}
